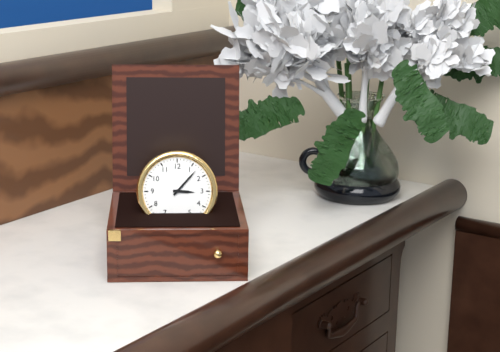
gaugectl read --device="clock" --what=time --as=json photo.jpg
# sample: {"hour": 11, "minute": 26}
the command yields {"hour": 3, "minute": 7}
